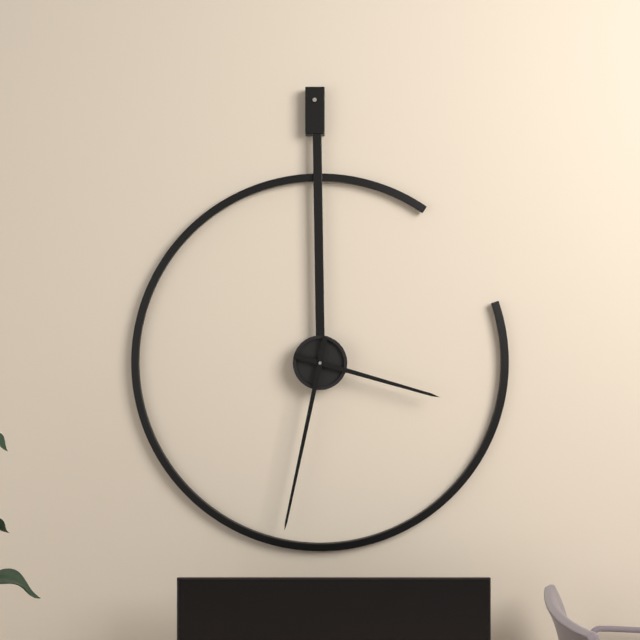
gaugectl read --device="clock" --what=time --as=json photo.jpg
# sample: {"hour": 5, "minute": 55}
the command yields {"hour": 3, "minute": 32}
